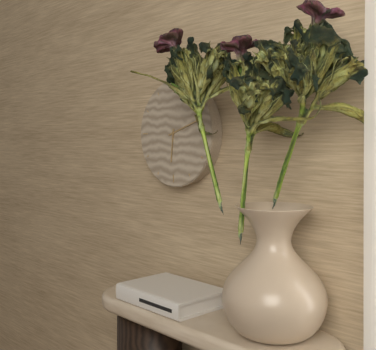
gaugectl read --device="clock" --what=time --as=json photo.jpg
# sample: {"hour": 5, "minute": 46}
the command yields {"hour": 6, "minute": 12}
